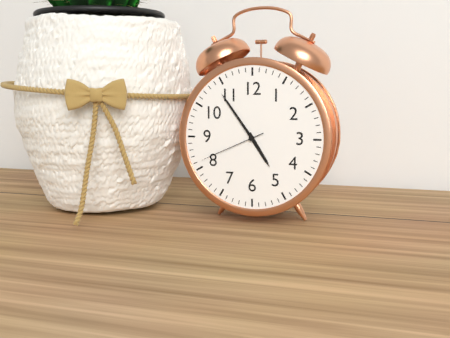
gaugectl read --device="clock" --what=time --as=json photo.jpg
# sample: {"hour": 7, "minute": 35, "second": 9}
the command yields {"hour": 4, "minute": 54, "second": 41}
